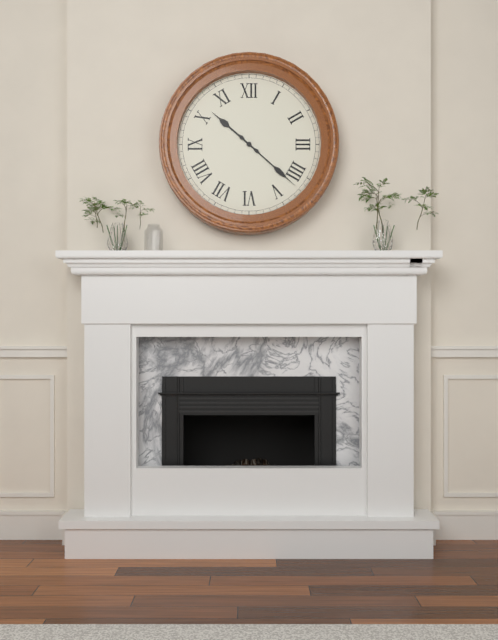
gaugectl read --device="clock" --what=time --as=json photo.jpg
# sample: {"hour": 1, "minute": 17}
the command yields {"hour": 10, "minute": 22}
